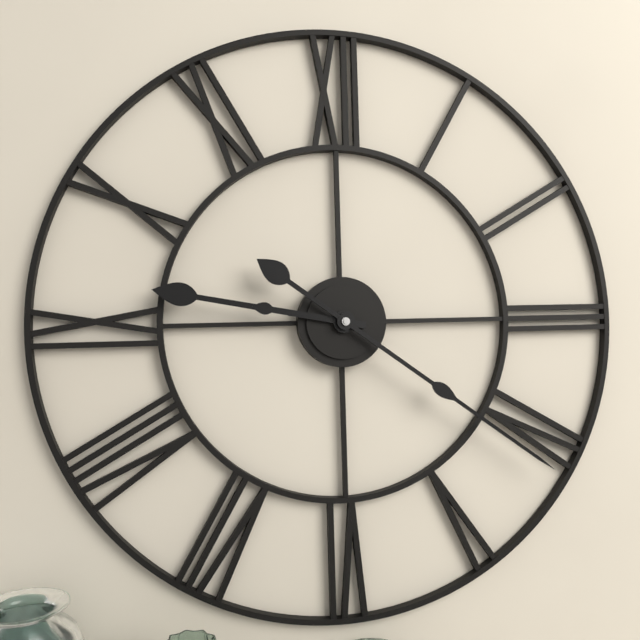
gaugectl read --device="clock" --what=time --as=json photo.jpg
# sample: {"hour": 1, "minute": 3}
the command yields {"hour": 9, "minute": 21}
